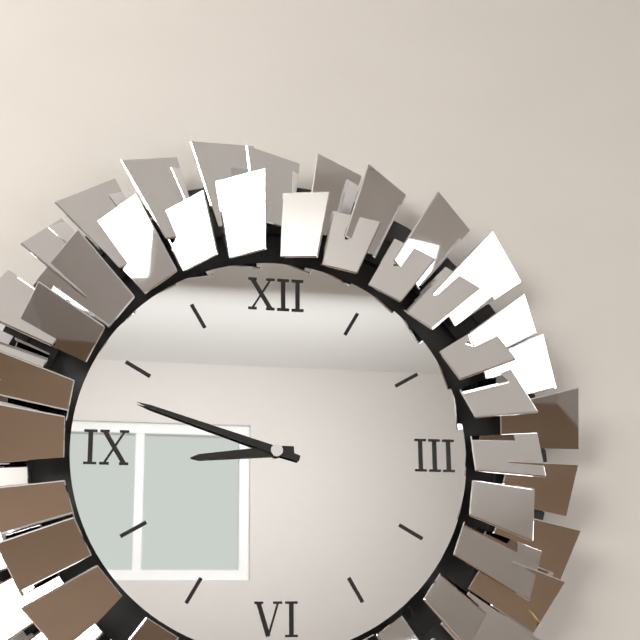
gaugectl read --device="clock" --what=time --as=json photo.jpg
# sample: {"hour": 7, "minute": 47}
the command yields {"hour": 8, "minute": 48}
